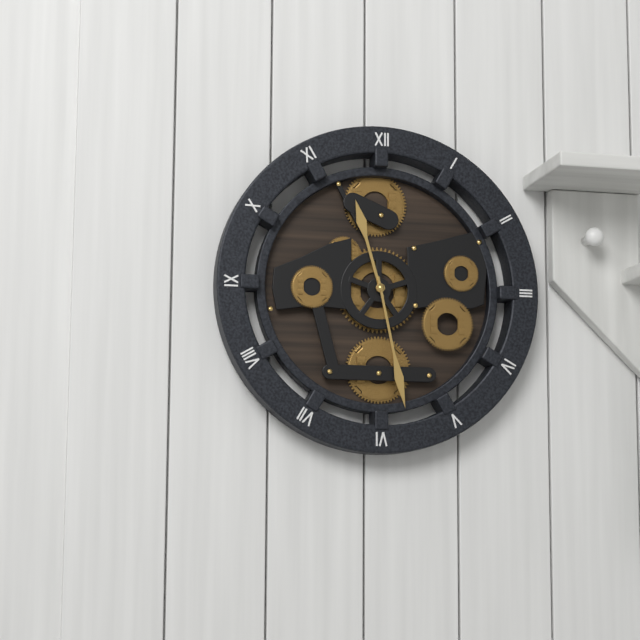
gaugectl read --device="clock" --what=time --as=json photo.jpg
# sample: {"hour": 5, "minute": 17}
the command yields {"hour": 11, "minute": 28}
